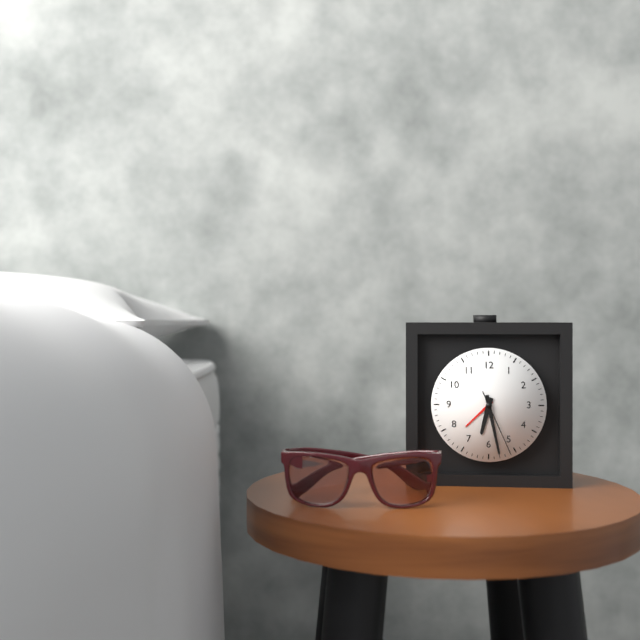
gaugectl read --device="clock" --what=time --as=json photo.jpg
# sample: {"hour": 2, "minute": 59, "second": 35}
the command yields {"hour": 6, "minute": 28, "second": 26}
